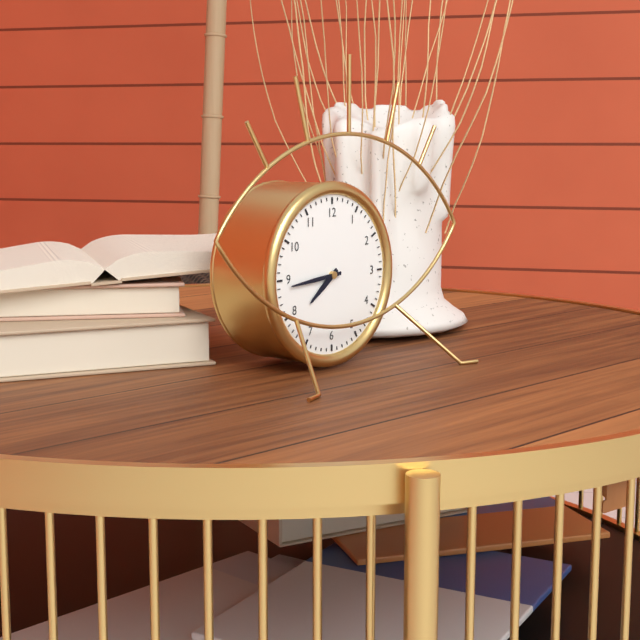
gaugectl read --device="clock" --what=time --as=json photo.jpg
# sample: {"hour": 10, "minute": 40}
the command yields {"hour": 7, "minute": 44}
